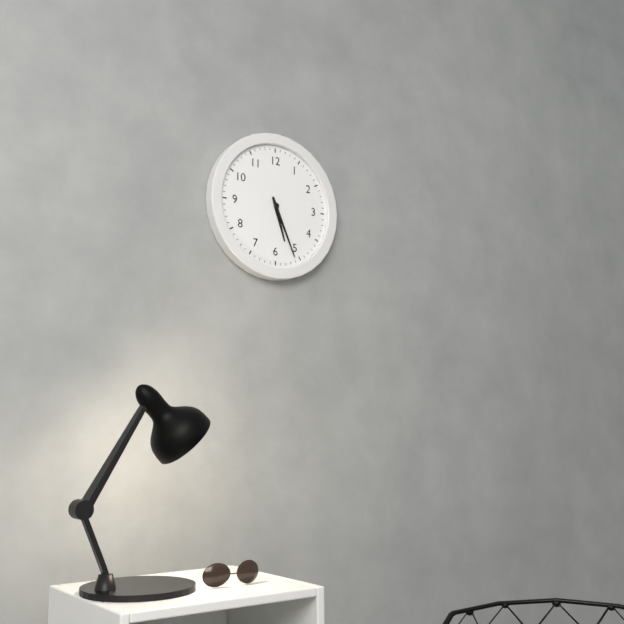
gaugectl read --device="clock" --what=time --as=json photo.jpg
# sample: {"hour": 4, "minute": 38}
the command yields {"hour": 5, "minute": 26}
